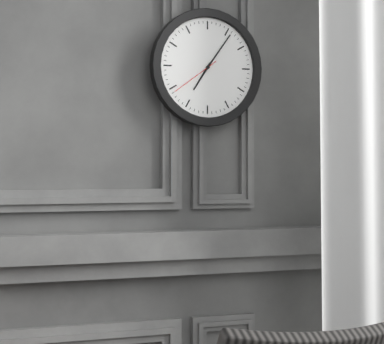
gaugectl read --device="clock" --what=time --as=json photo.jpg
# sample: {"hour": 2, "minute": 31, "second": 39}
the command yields {"hour": 7, "minute": 6, "second": 39}
